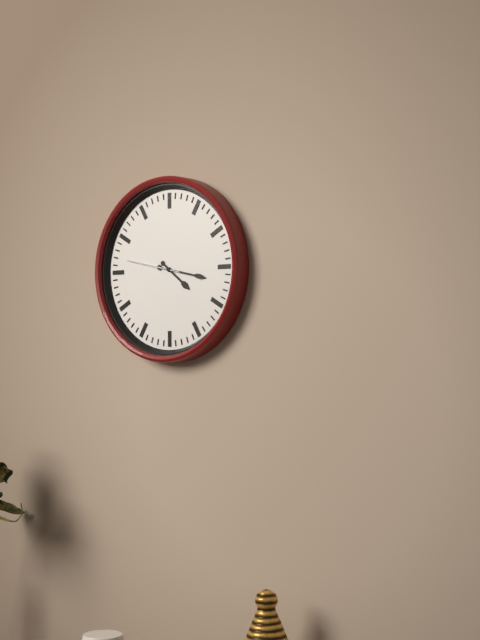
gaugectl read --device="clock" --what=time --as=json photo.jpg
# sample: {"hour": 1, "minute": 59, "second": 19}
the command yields {"hour": 4, "minute": 17, "second": 47}
